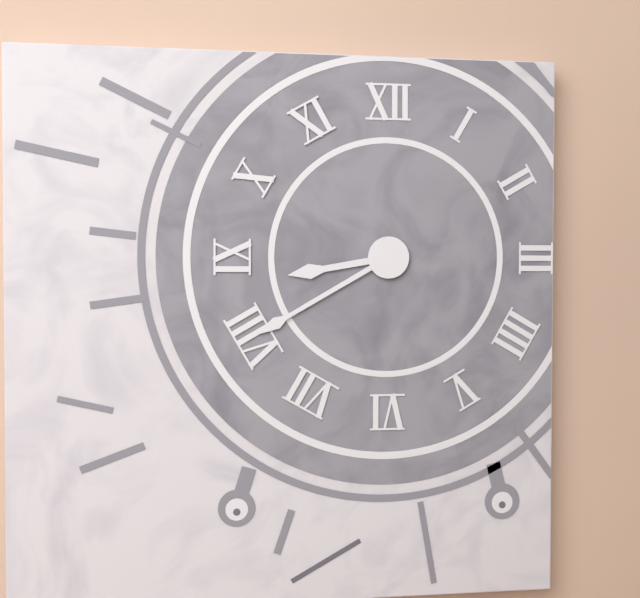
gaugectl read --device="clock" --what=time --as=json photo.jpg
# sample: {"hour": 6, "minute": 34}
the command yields {"hour": 8, "minute": 40}
